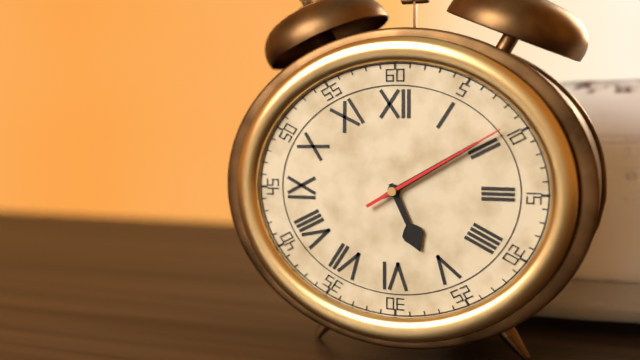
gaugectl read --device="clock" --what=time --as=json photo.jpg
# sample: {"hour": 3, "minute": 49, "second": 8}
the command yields {"hour": 5, "minute": 10, "second": 10}
